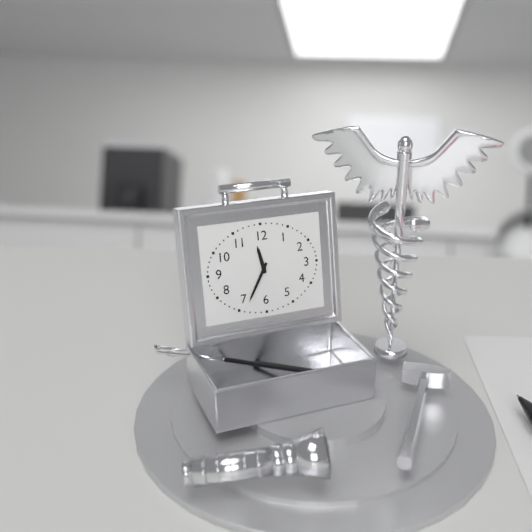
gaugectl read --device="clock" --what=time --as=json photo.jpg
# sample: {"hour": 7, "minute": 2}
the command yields {"hour": 11, "minute": 35}
